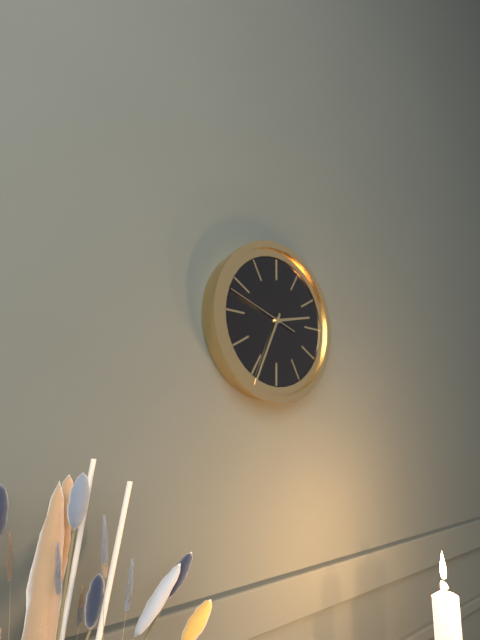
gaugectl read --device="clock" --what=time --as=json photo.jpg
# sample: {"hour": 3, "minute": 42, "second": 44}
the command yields {"hour": 2, "minute": 34, "second": 48}
